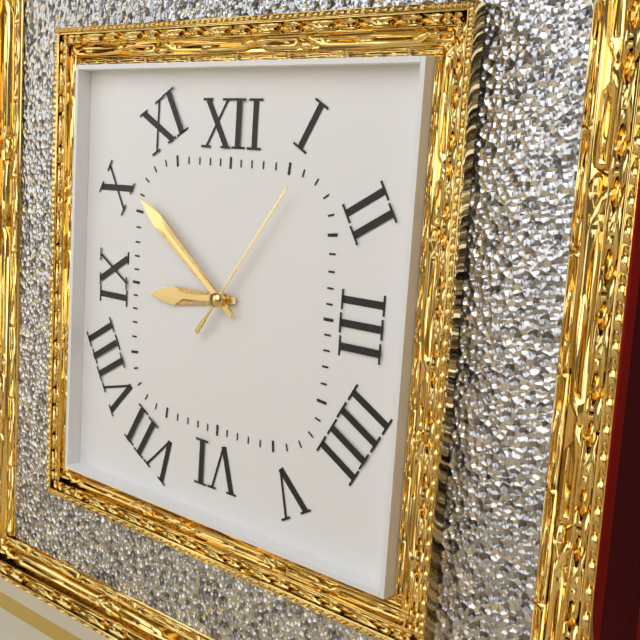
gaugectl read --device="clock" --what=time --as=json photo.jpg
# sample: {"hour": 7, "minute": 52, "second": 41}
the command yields {"hour": 8, "minute": 51, "second": 6}
